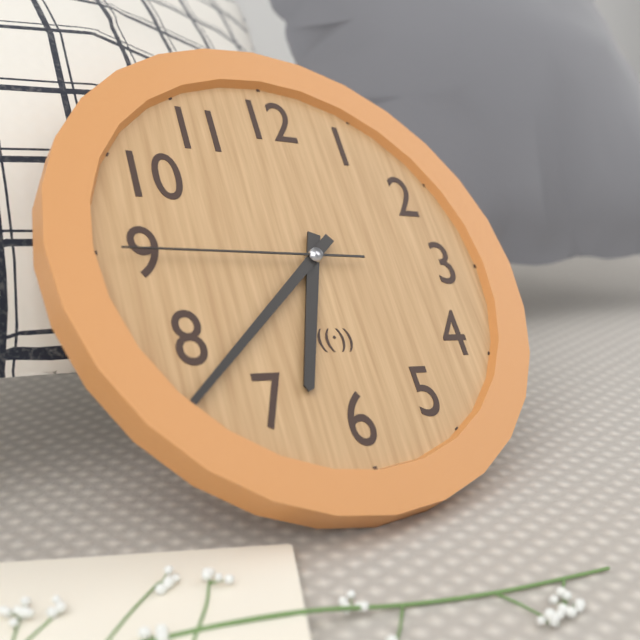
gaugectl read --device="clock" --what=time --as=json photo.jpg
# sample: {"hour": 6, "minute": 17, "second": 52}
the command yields {"hour": 6, "minute": 38, "second": 45}
